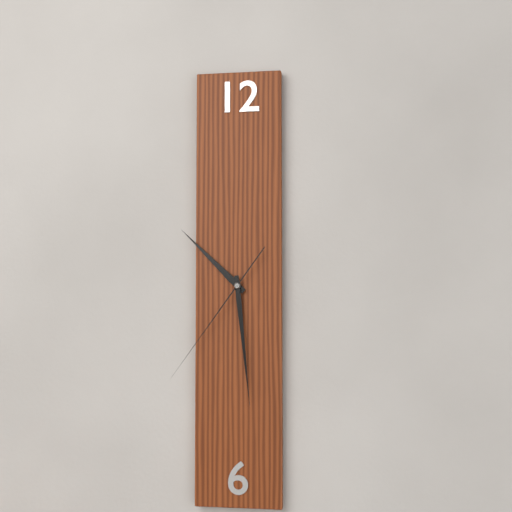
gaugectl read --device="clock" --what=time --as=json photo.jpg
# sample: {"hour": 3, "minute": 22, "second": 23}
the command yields {"hour": 10, "minute": 29, "second": 36}
